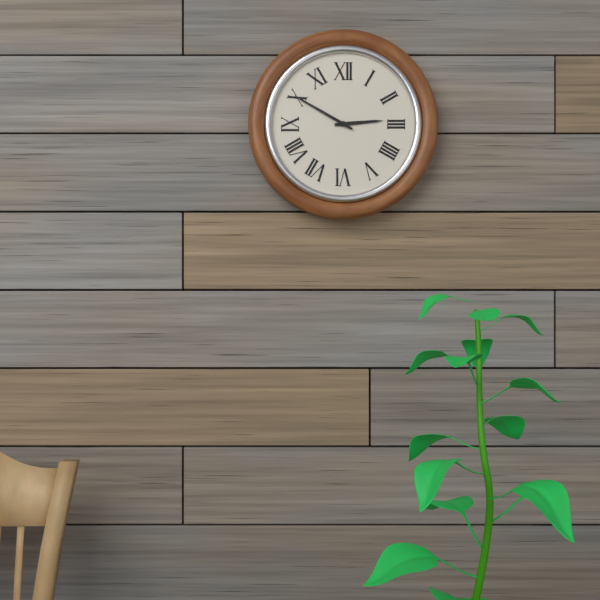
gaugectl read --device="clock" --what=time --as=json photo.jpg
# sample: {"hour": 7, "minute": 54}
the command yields {"hour": 2, "minute": 50}
